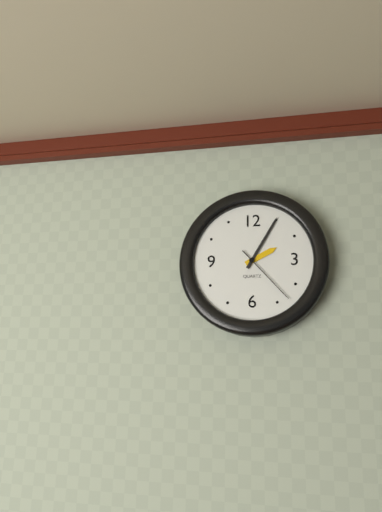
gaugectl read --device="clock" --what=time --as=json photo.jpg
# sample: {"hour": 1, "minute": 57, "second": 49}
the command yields {"hour": 2, "minute": 5, "second": 23}
